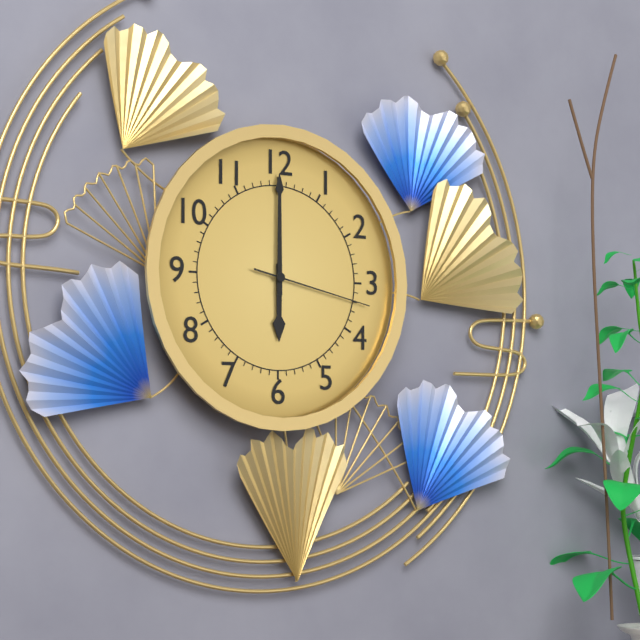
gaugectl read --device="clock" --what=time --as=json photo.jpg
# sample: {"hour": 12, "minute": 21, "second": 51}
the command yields {"hour": 6, "minute": 0, "second": 17}
